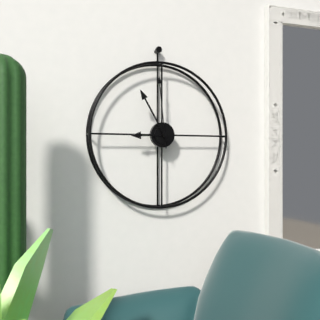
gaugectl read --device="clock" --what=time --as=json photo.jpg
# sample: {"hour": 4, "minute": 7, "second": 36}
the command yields {"hour": 8, "minute": 55, "second": 59}
